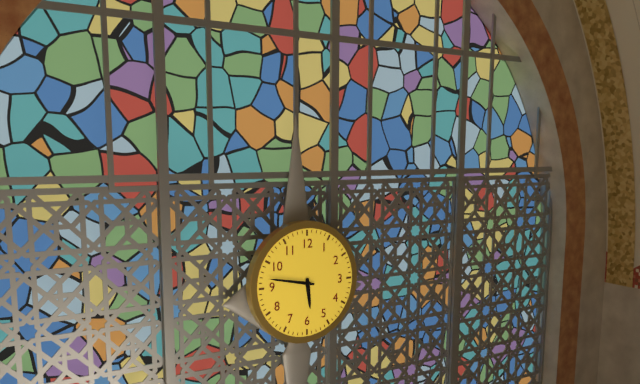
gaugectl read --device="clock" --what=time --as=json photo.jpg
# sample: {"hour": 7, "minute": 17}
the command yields {"hour": 5, "minute": 47}
